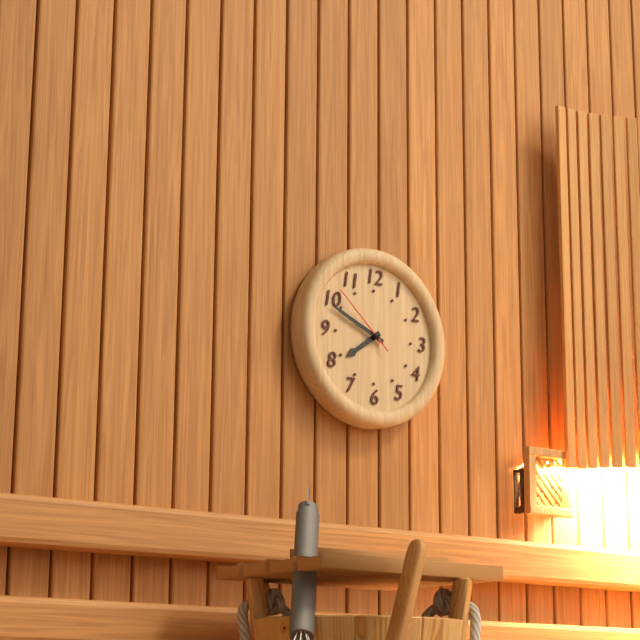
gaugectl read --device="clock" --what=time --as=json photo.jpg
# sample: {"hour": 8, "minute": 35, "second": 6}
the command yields {"hour": 7, "minute": 49, "second": 52}
